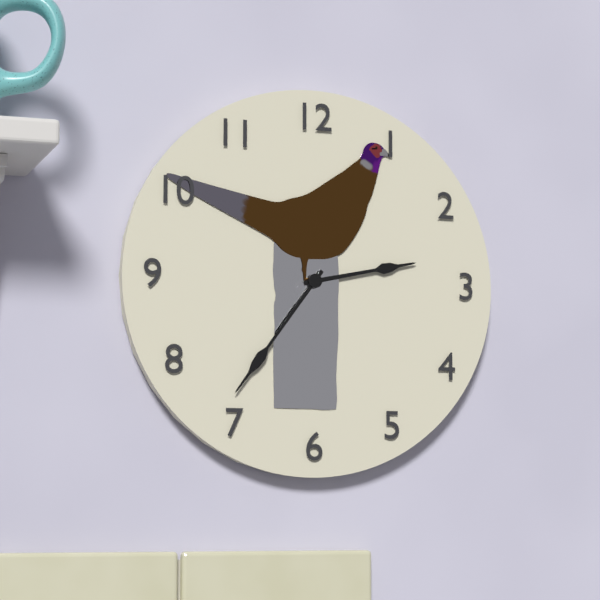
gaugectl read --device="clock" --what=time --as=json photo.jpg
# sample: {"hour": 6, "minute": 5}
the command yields {"hour": 2, "minute": 36}
